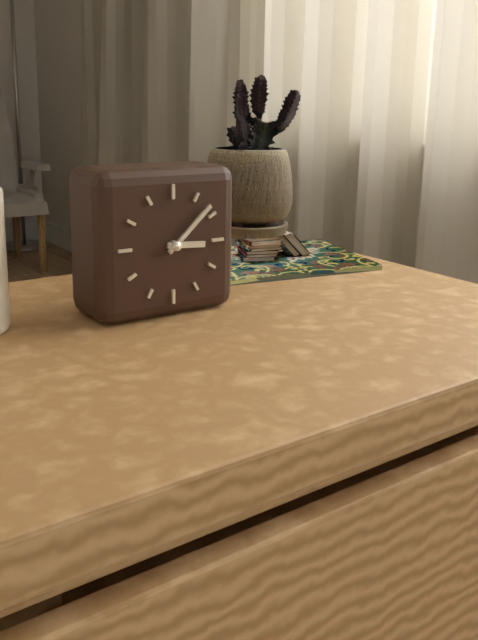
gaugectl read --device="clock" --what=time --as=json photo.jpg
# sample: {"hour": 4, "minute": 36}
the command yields {"hour": 3, "minute": 8}
